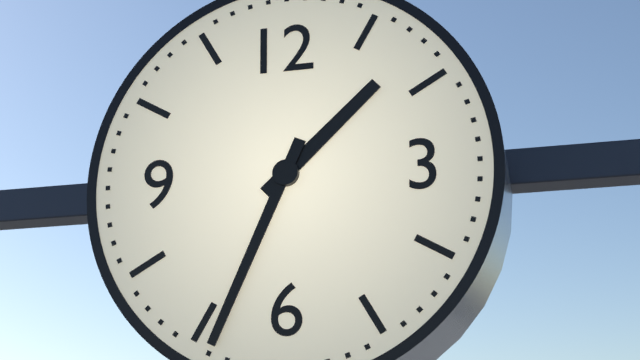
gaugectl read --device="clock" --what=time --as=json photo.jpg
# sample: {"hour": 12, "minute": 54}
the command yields {"hour": 1, "minute": 34}
